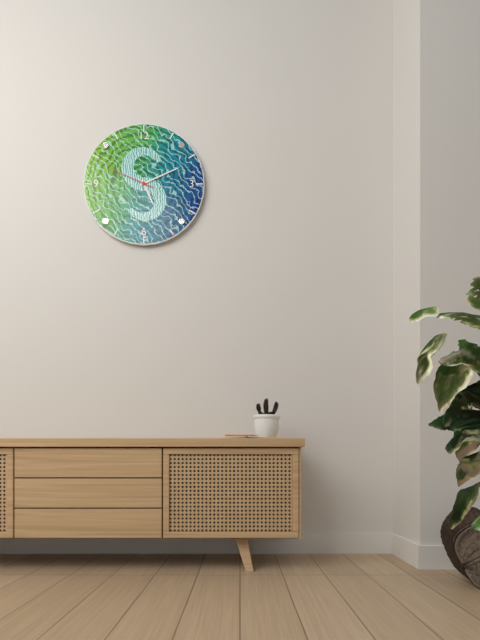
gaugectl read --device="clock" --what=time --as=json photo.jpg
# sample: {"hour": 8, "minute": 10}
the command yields {"hour": 5, "minute": 11}
